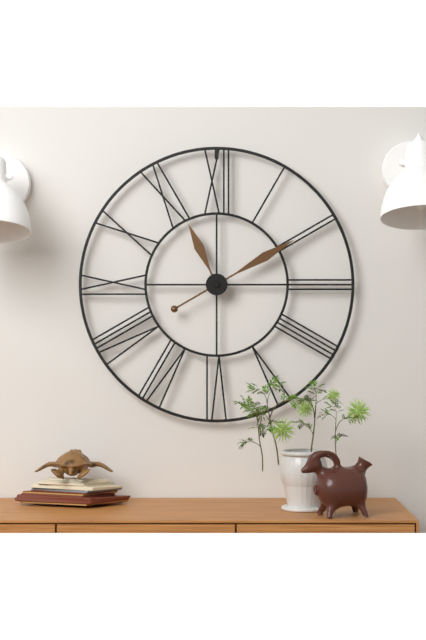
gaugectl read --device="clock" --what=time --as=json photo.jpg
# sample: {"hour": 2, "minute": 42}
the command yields {"hour": 11, "minute": 10}
